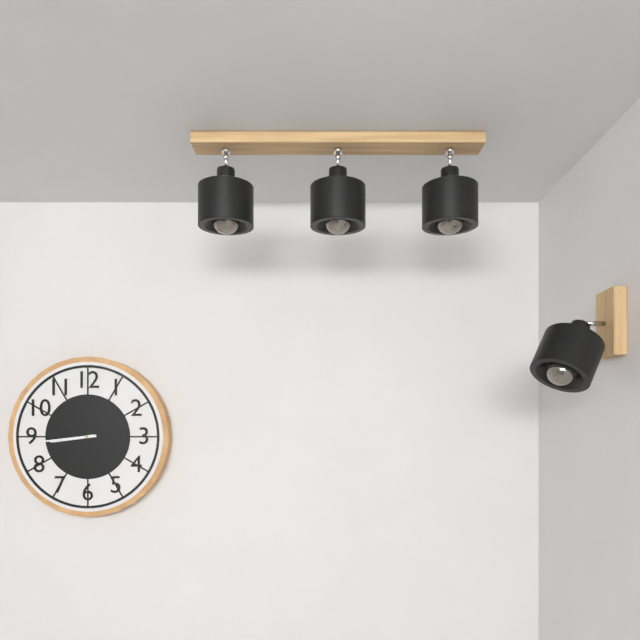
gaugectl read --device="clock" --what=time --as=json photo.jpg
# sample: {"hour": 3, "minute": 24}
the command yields {"hour": 8, "minute": 44}
